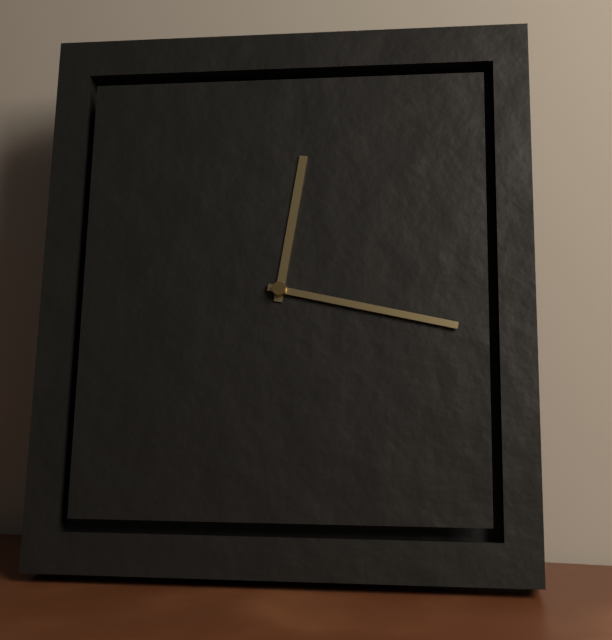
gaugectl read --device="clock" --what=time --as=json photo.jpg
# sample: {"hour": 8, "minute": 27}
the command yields {"hour": 12, "minute": 17}
